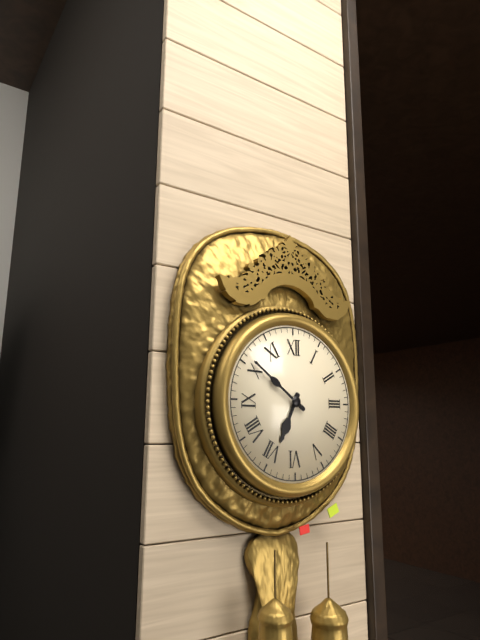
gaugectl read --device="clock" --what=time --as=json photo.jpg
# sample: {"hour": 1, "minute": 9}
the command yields {"hour": 6, "minute": 51}
